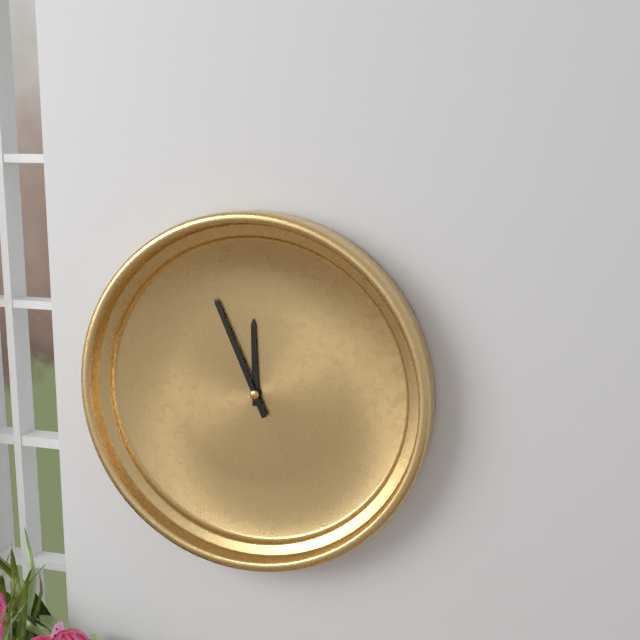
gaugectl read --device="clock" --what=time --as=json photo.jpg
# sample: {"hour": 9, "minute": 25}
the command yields {"hour": 11, "minute": 56}
